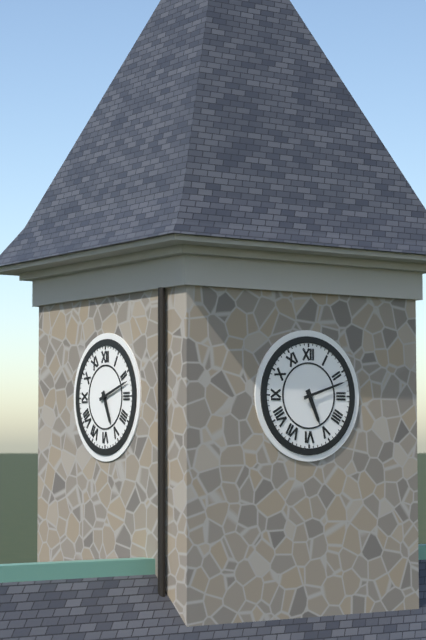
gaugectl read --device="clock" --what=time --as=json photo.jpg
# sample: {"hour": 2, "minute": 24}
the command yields {"hour": 5, "minute": 12}
